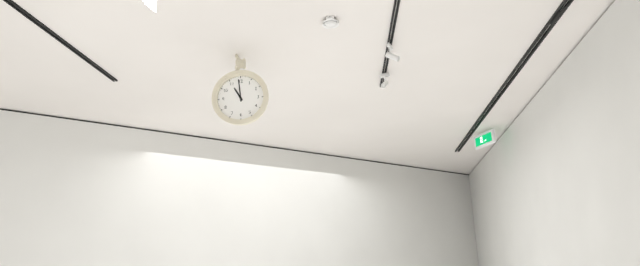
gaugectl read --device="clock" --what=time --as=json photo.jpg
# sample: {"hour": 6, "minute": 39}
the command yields {"hour": 10, "minute": 59}
